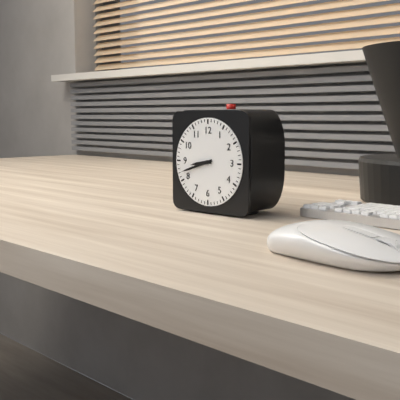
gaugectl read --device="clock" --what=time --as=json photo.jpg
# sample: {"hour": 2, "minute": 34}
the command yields {"hour": 8, "minute": 42}
